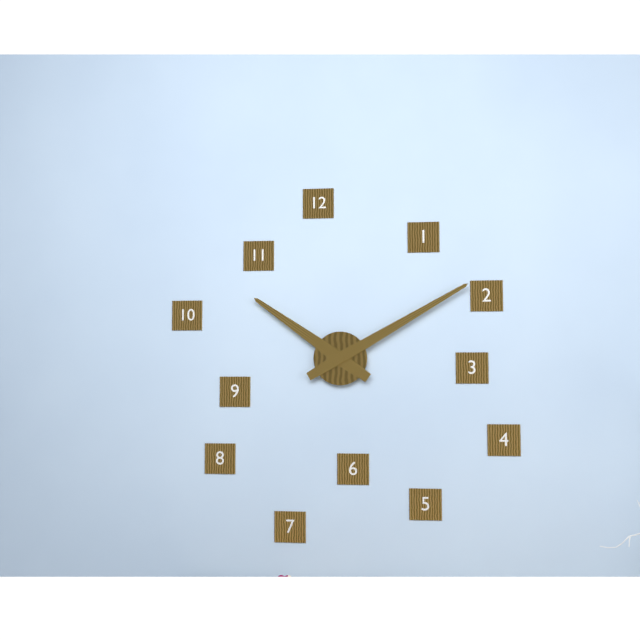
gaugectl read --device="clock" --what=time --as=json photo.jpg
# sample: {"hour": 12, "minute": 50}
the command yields {"hour": 10, "minute": 10}
